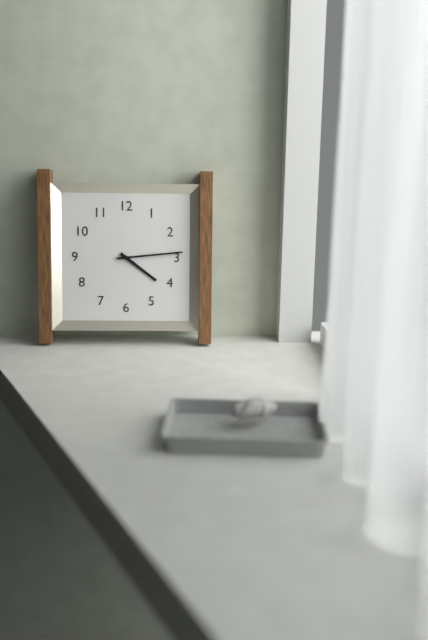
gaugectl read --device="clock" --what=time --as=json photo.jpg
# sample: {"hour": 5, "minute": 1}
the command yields {"hour": 4, "minute": 14}
